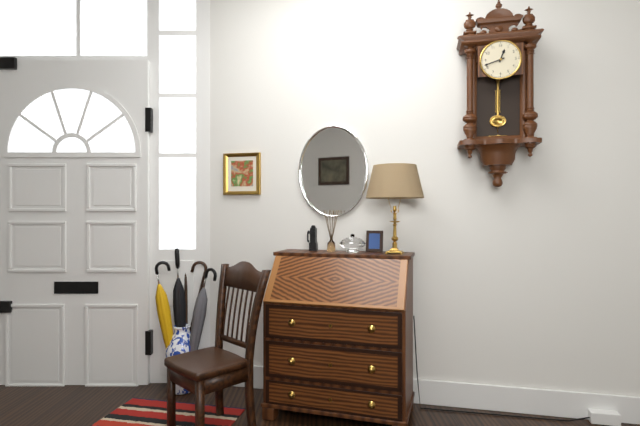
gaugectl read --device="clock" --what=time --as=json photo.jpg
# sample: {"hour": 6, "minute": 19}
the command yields {"hour": 12, "minute": 42}
